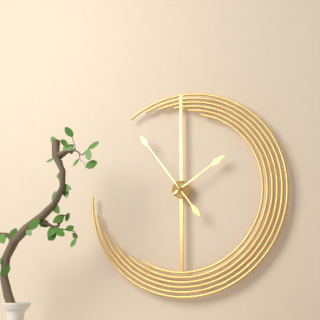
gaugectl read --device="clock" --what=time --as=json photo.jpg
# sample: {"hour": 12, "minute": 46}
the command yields {"hour": 1, "minute": 54}
